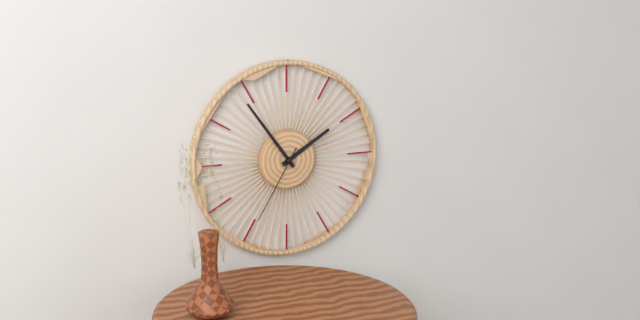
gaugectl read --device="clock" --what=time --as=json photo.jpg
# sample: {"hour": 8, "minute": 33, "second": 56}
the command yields {"hour": 1, "minute": 54, "second": 35}
